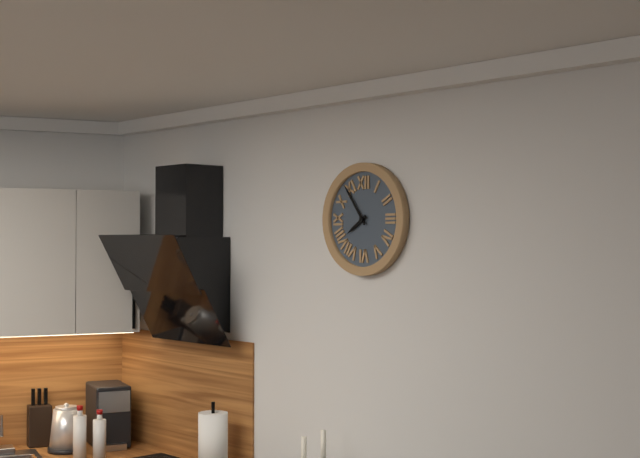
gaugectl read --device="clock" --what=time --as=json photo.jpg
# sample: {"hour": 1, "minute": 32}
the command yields {"hour": 7, "minute": 54}
